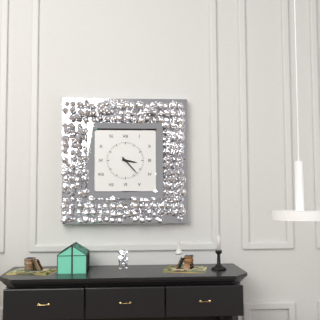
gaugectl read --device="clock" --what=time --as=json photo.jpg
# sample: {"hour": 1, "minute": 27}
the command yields {"hour": 3, "minute": 23}
